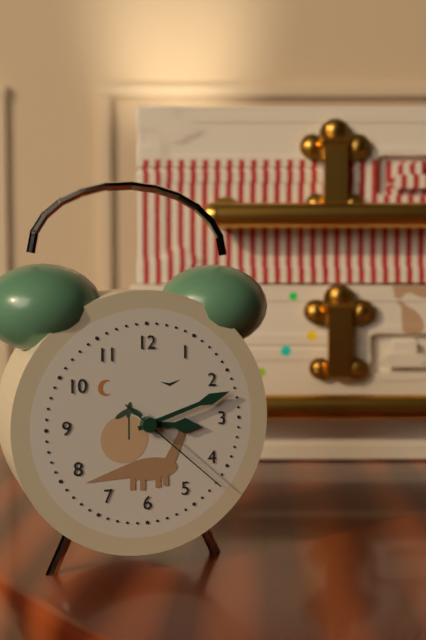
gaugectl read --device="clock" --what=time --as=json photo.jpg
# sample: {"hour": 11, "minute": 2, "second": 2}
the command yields {"hour": 3, "minute": 12, "second": 22}
